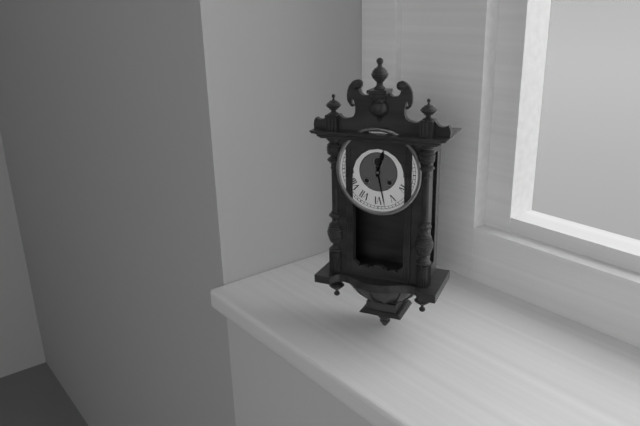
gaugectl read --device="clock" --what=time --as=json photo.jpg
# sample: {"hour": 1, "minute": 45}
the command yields {"hour": 12, "minute": 28}
